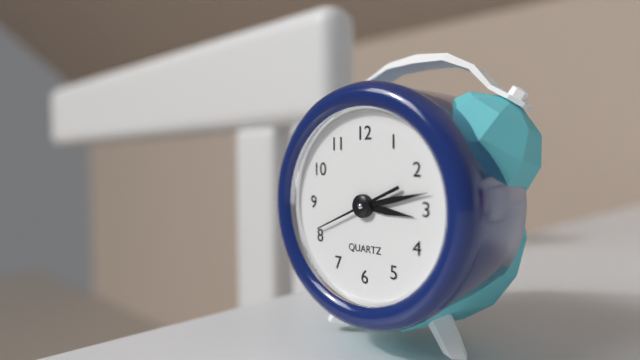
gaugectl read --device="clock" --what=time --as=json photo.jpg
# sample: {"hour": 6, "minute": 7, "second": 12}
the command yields {"hour": 3, "minute": 13, "second": 41}
